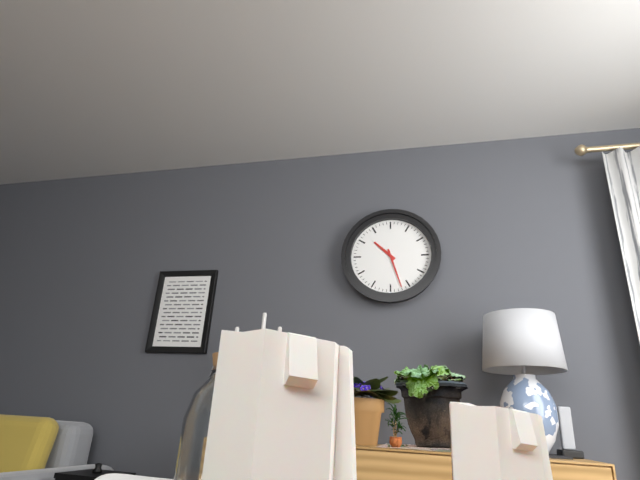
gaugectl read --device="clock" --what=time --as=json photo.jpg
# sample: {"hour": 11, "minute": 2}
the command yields {"hour": 10, "minute": 27}
